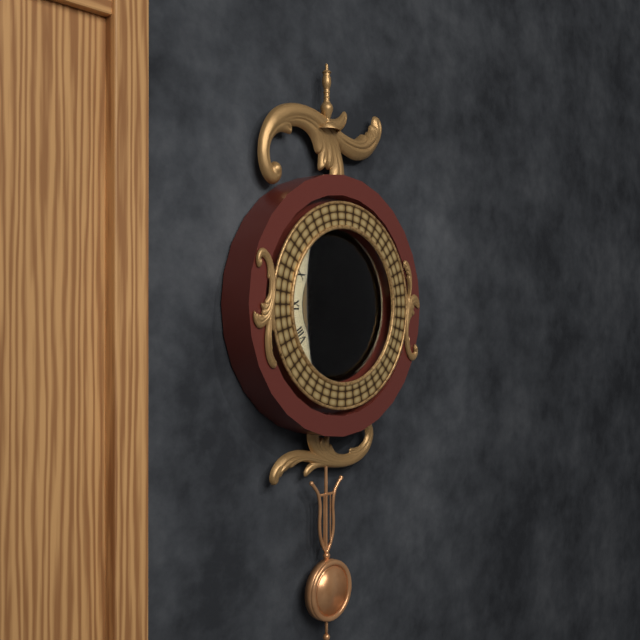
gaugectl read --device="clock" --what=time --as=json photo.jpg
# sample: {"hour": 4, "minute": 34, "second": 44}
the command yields {"hour": 5, "minute": 14, "second": 0}
